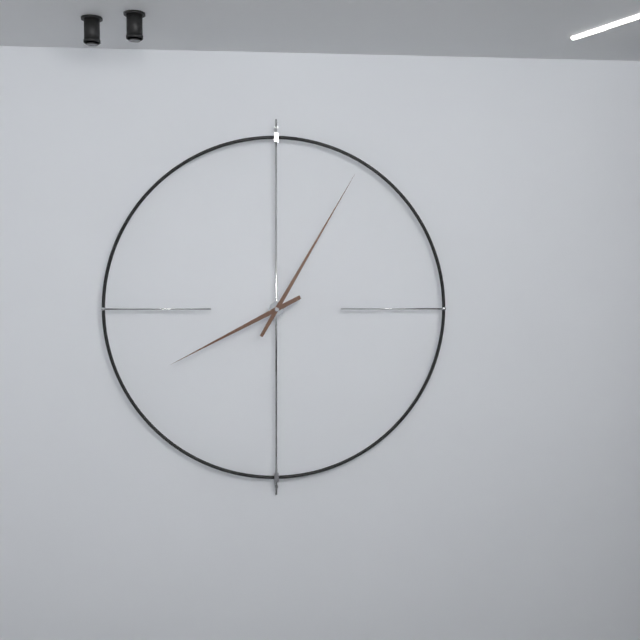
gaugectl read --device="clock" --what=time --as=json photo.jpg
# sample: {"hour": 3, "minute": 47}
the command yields {"hour": 8, "minute": 5}
